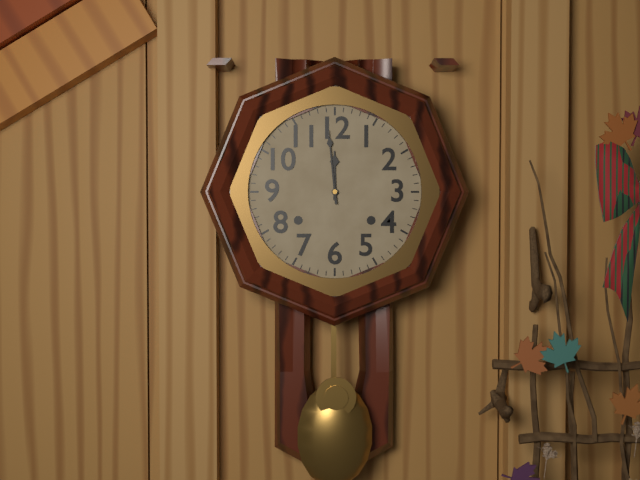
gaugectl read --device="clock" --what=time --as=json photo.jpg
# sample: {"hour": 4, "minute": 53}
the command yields {"hour": 11, "minute": 59}
